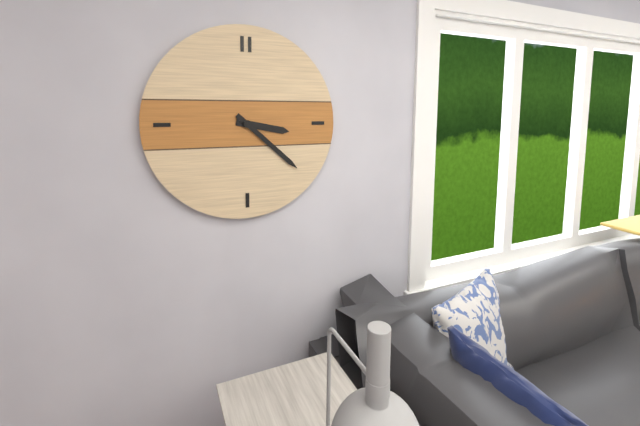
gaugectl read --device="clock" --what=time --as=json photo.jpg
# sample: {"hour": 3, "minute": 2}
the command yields {"hour": 3, "minute": 22}
